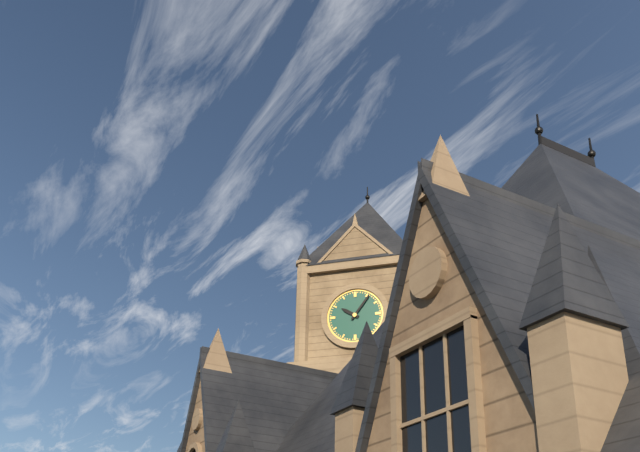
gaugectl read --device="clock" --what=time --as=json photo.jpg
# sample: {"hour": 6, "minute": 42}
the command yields {"hour": 10, "minute": 6}
